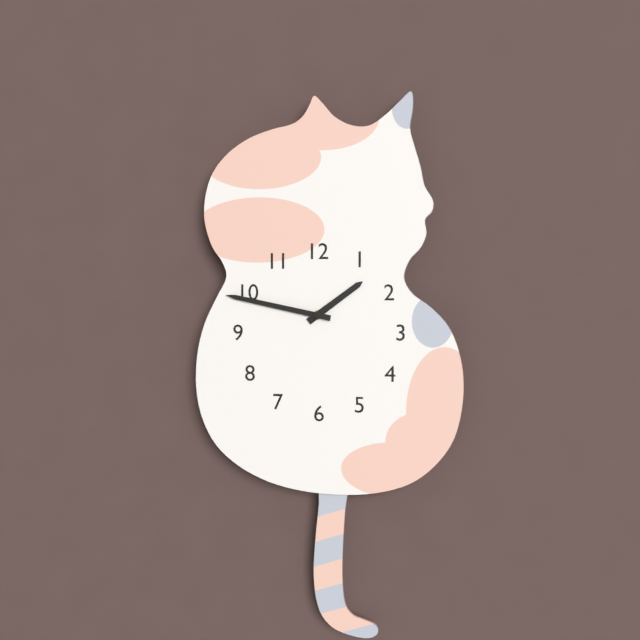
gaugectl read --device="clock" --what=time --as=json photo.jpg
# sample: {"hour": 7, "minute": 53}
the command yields {"hour": 1, "minute": 47}
